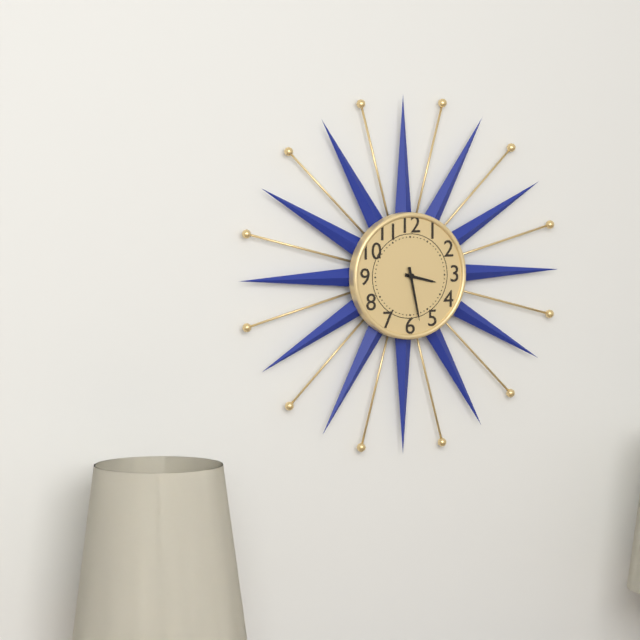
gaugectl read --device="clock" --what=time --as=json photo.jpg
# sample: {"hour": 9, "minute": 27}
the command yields {"hour": 3, "minute": 28}
